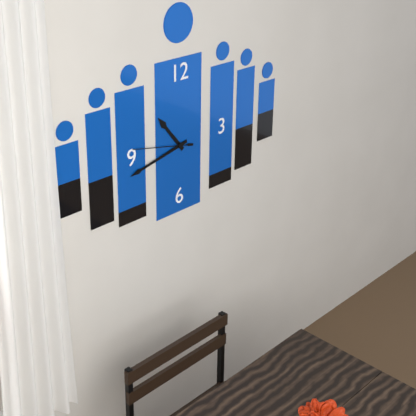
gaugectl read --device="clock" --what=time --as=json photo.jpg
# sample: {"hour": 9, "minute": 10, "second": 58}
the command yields {"hour": 10, "minute": 43, "second": 47}
